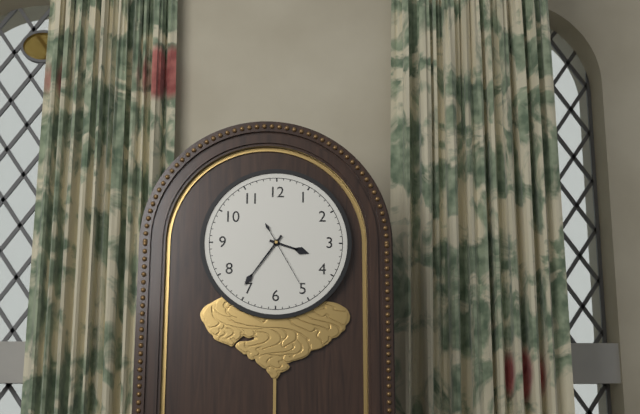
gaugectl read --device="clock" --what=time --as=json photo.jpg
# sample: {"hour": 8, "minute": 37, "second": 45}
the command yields {"hour": 3, "minute": 36, "second": 25}
